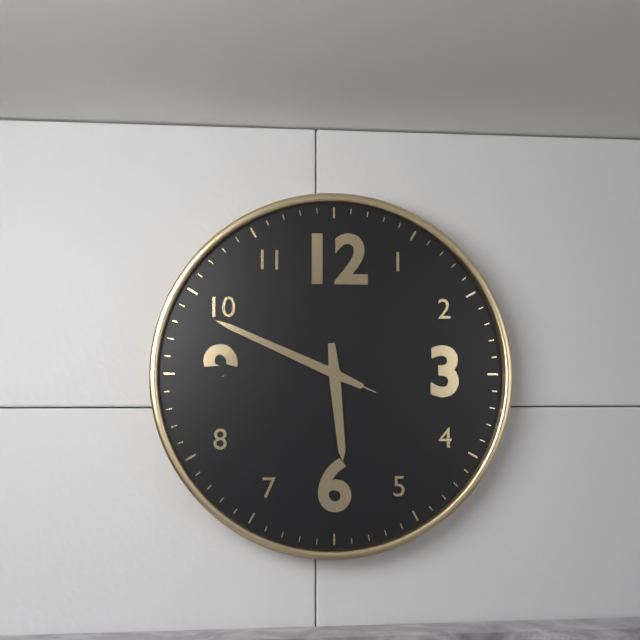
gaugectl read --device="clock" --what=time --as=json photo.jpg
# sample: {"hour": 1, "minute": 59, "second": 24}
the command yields {"hour": 5, "minute": 49, "second": 49}
